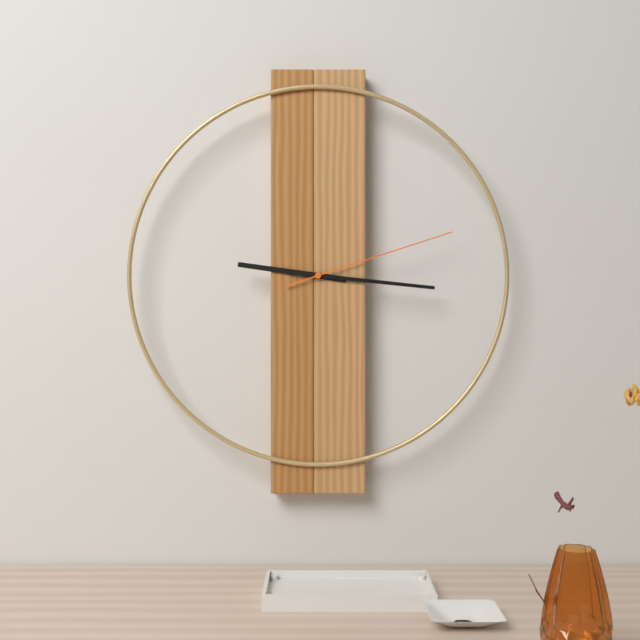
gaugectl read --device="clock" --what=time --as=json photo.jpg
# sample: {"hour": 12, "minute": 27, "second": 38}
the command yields {"hour": 9, "minute": 16, "second": 12}
